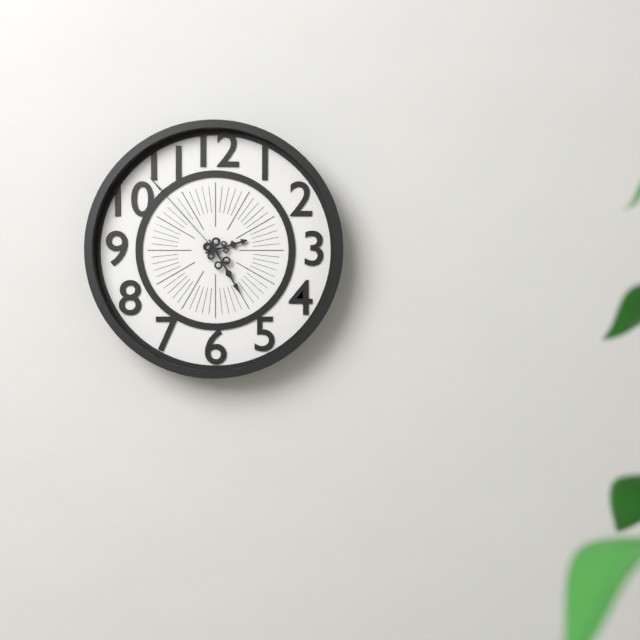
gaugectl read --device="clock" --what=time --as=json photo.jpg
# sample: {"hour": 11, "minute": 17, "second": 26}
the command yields {"hour": 2, "minute": 25, "second": 53}
